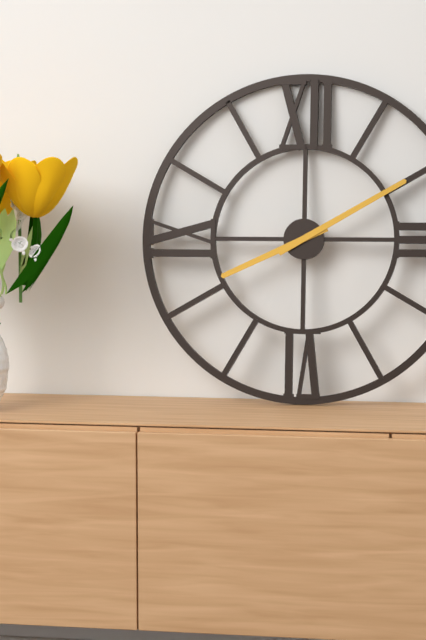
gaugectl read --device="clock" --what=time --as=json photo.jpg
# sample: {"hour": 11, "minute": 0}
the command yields {"hour": 8, "minute": 10}
